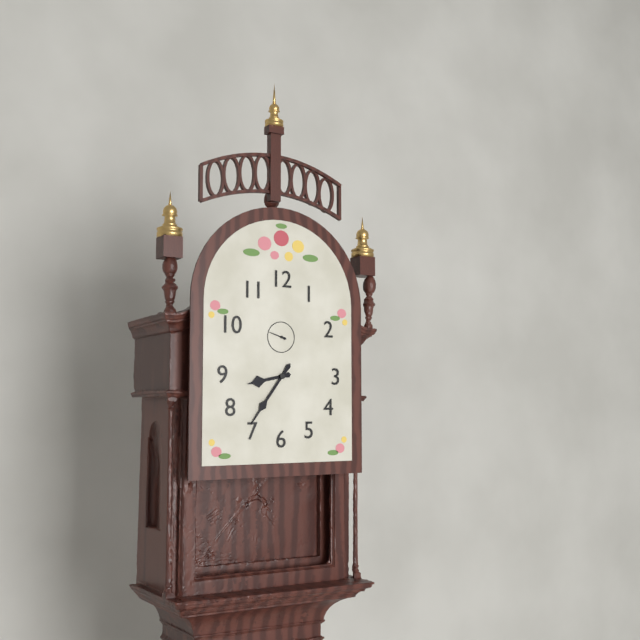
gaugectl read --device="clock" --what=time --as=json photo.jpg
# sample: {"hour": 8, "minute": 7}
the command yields {"hour": 8, "minute": 36}
